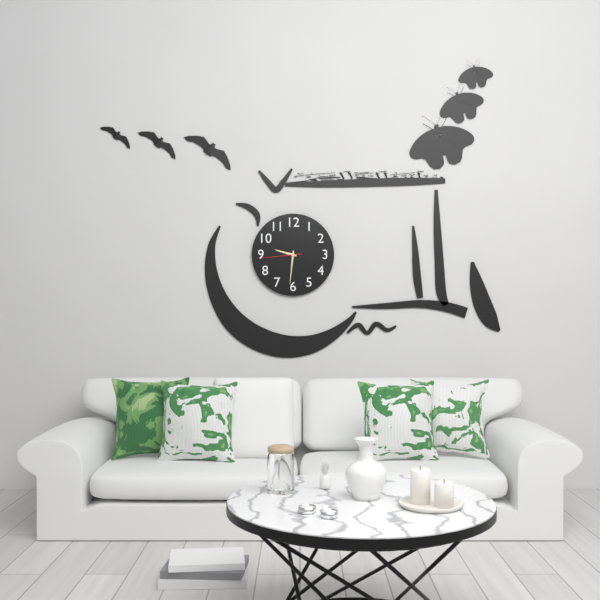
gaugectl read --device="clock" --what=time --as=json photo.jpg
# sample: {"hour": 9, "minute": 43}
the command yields {"hour": 9, "minute": 31}
